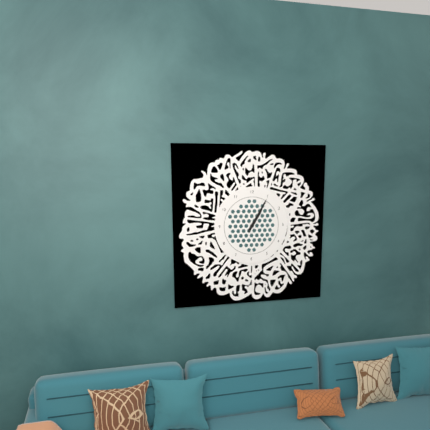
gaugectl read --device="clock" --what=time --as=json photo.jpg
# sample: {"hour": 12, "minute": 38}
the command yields {"hour": 1, "minute": 5}
